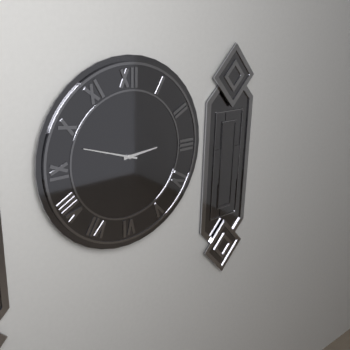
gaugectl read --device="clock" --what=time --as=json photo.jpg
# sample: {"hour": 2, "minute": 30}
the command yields {"hour": 2, "minute": 48}
